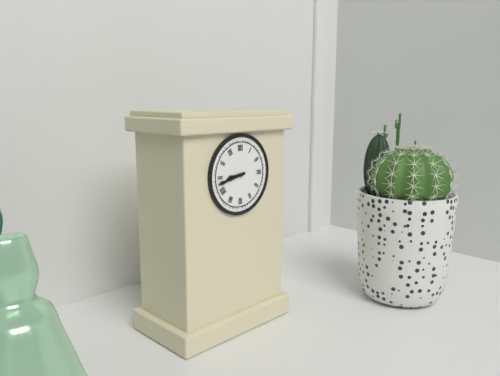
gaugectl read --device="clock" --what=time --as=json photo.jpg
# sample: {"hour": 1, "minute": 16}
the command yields {"hour": 8, "minute": 43}
